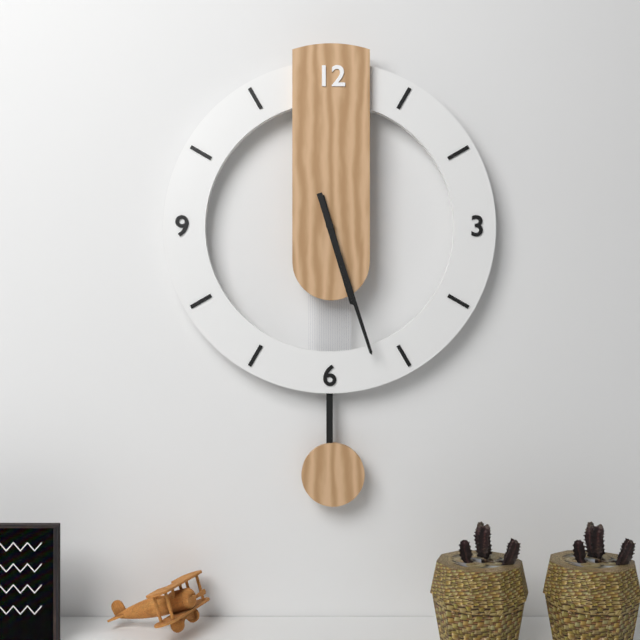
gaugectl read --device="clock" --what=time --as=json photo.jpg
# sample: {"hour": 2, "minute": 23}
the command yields {"hour": 5, "minute": 27}
